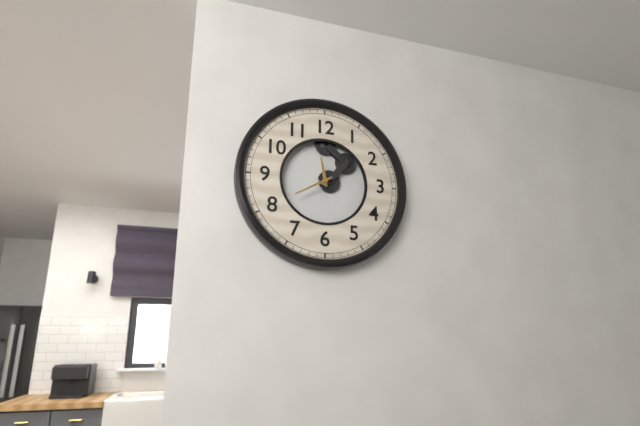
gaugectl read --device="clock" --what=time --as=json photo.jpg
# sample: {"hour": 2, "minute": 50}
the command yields {"hour": 11, "minute": 40}
